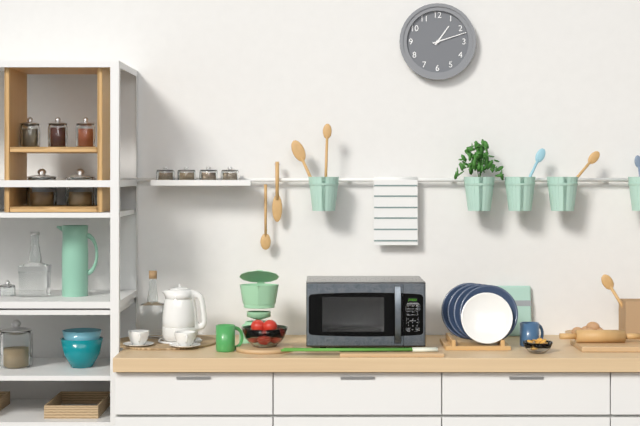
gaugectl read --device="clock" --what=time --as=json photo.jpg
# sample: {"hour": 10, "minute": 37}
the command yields {"hour": 1, "minute": 12}
